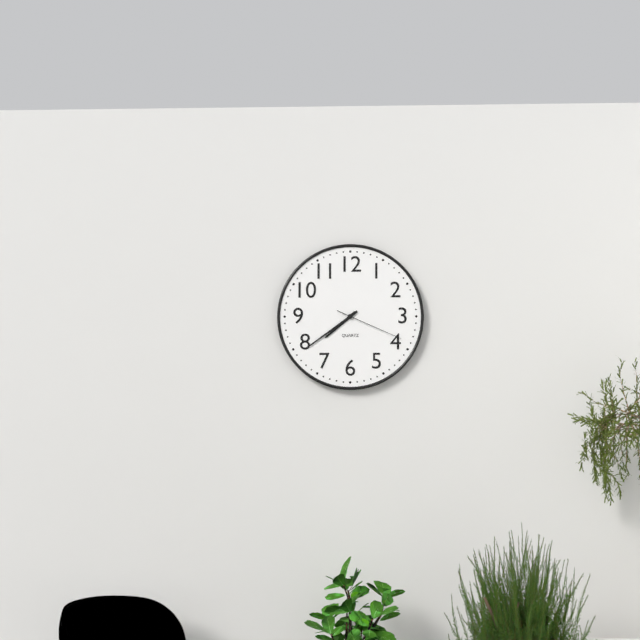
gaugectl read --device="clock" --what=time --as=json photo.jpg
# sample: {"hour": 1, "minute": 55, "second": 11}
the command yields {"hour": 7, "minute": 39, "second": 19}
